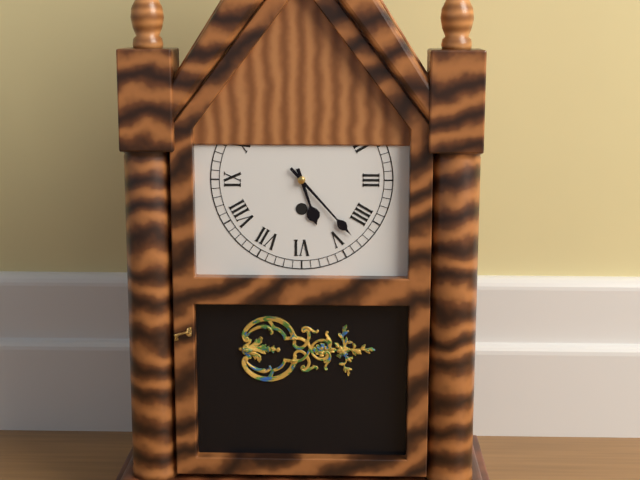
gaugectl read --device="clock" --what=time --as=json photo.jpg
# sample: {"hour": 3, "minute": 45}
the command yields {"hour": 5, "minute": 23}
